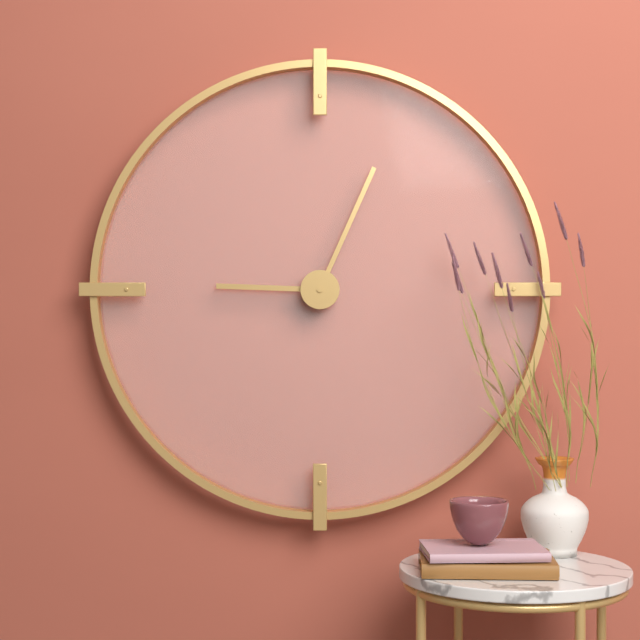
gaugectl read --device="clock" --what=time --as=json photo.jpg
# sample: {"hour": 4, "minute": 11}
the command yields {"hour": 9, "minute": 4}
